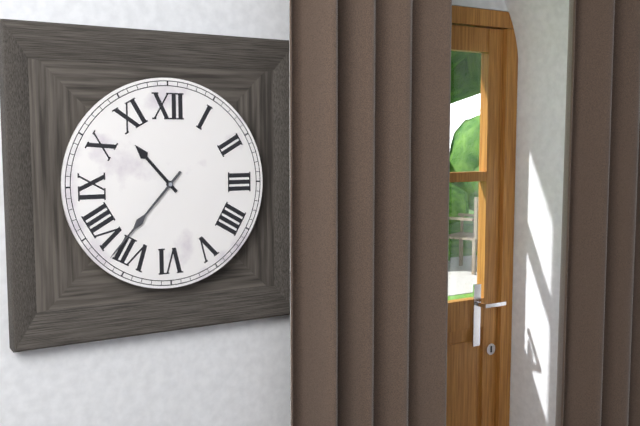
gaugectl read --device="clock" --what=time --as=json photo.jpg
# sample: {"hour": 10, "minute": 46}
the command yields {"hour": 10, "minute": 37}
